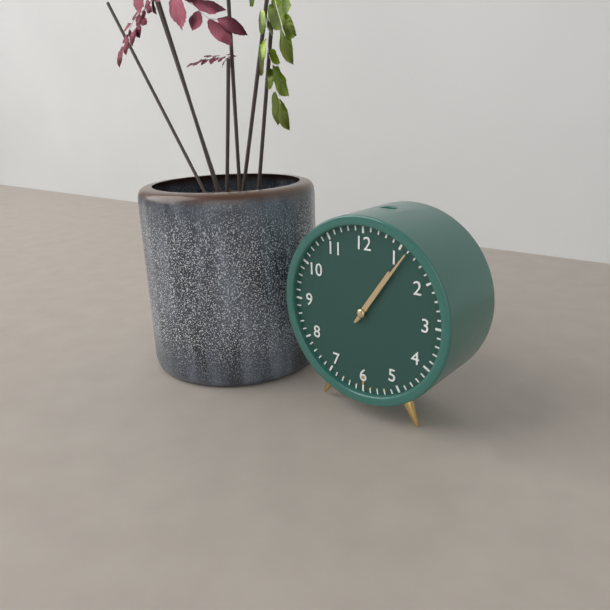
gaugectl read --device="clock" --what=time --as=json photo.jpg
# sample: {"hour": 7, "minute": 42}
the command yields {"hour": 1, "minute": 6}
